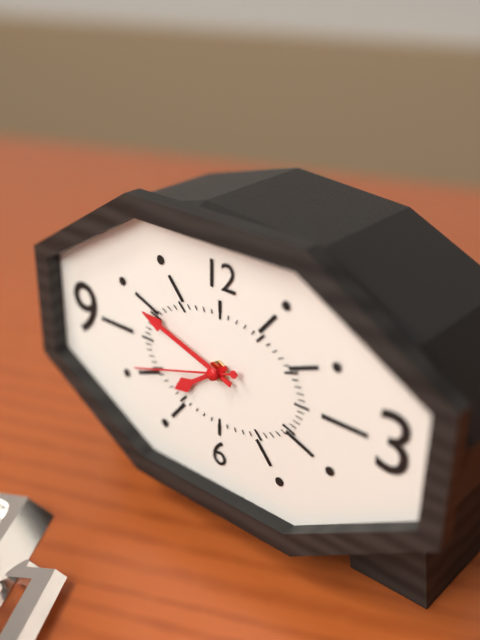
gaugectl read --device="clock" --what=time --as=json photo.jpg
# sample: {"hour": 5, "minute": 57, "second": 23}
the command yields {"hour": 7, "minute": 48, "second": 42}
